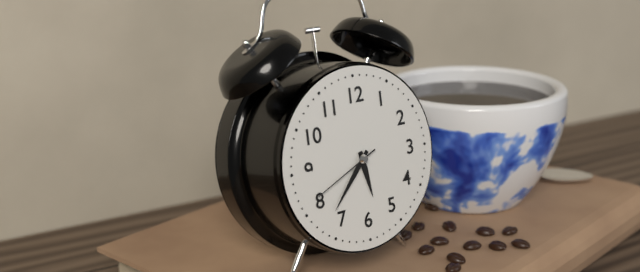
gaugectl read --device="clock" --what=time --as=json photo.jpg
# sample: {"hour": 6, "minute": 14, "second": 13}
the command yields {"hour": 5, "minute": 37, "second": 41}
